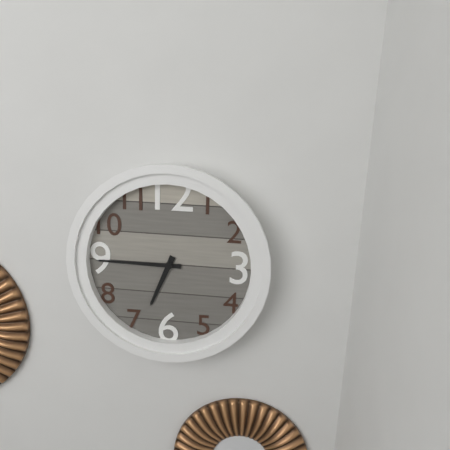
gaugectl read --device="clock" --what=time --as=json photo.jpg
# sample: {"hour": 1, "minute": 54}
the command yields {"hour": 6, "minute": 45}
